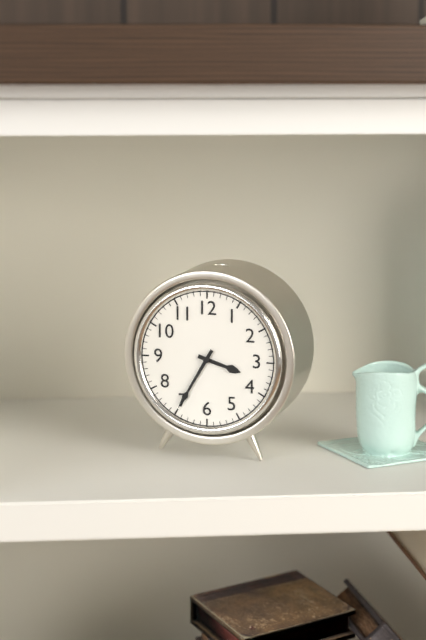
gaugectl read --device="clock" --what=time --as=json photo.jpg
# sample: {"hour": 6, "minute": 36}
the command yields {"hour": 3, "minute": 35}
